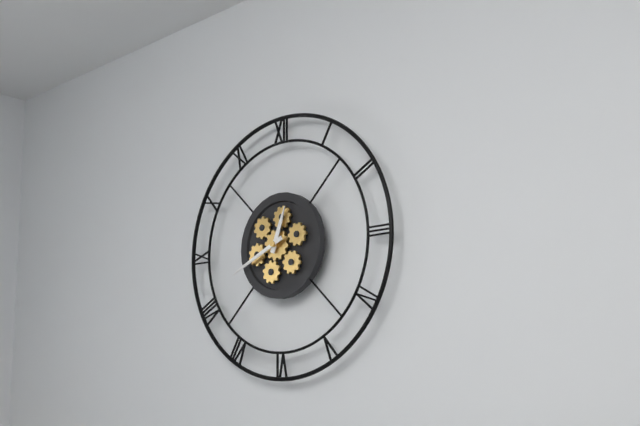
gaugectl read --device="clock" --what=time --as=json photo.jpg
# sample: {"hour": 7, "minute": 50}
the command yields {"hour": 12, "minute": 41}
